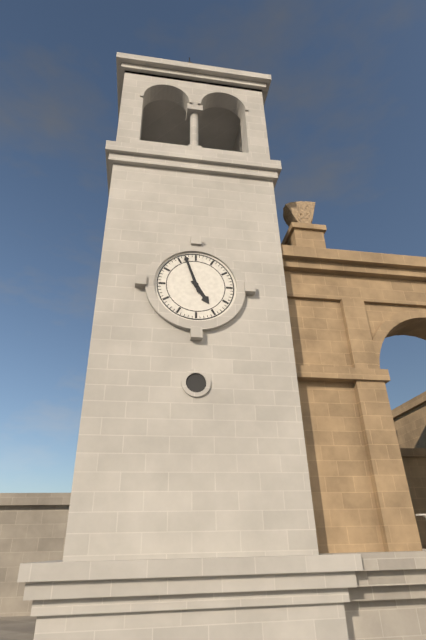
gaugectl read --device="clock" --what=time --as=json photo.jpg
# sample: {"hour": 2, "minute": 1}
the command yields {"hour": 4, "minute": 57}
